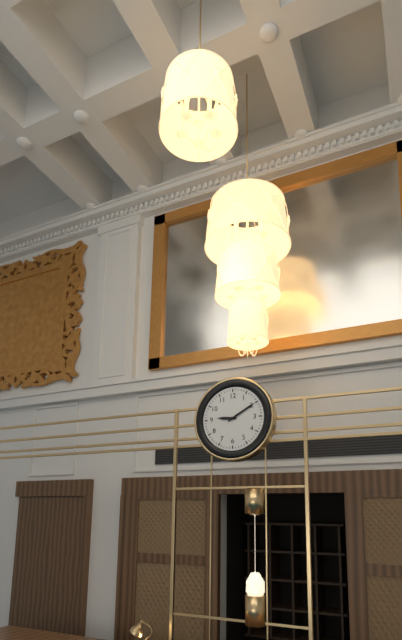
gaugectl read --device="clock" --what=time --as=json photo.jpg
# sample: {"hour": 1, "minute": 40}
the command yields {"hour": 9, "minute": 10}
